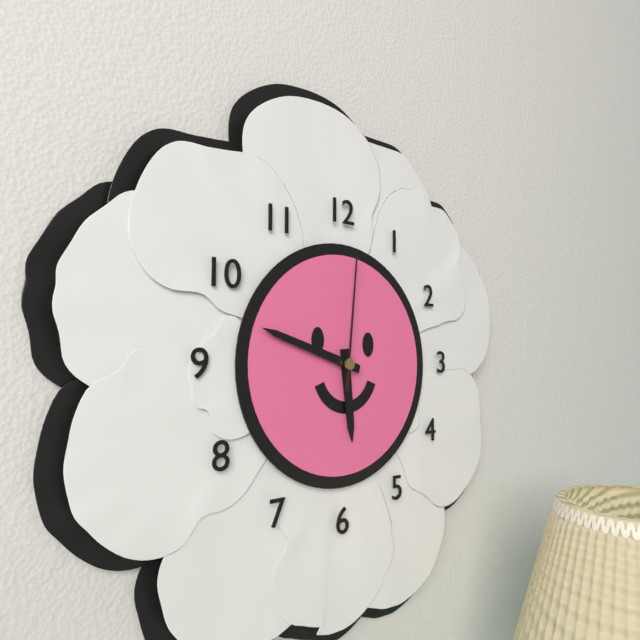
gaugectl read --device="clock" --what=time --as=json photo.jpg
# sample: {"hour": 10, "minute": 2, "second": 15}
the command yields {"hour": 5, "minute": 48, "second": 1}
